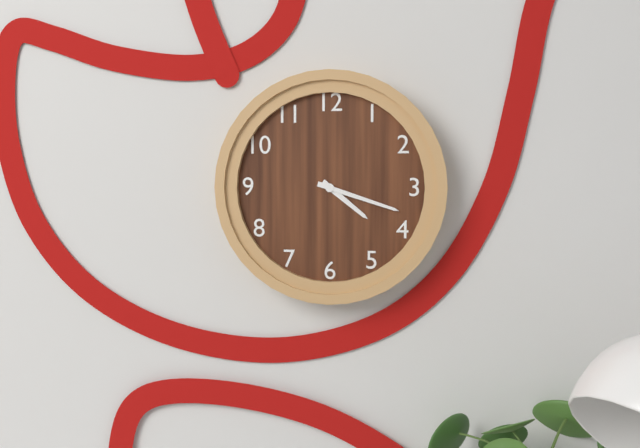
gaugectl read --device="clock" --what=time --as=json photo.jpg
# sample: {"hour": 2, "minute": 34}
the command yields {"hour": 4, "minute": 18}
